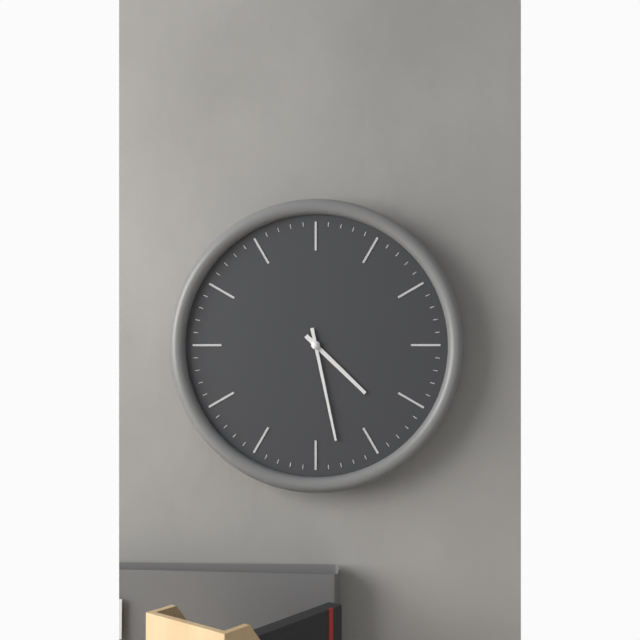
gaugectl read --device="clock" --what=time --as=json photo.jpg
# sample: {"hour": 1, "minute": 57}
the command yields {"hour": 4, "minute": 28}
